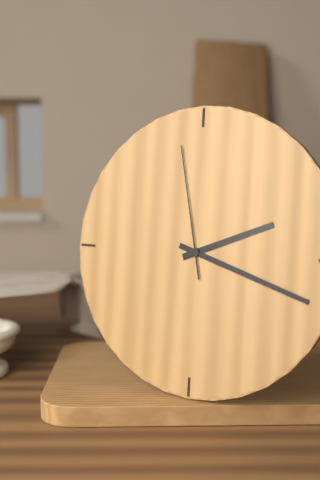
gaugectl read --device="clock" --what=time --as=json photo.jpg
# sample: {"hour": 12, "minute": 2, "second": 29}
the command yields {"hour": 2, "minute": 18, "second": 58}
